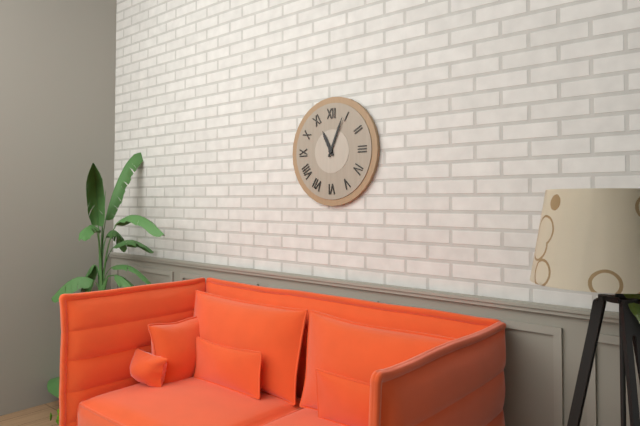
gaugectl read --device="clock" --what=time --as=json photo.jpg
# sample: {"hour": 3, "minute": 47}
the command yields {"hour": 11, "minute": 4}
